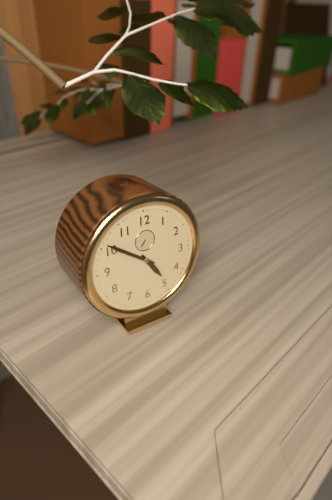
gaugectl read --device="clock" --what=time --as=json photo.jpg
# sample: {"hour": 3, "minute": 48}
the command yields {"hour": 4, "minute": 51}
